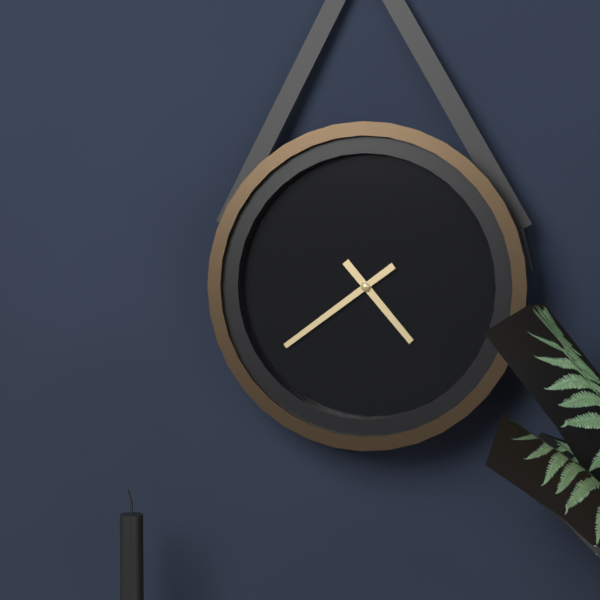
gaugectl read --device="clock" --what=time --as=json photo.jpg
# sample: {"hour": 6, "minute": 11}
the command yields {"hour": 4, "minute": 39}
